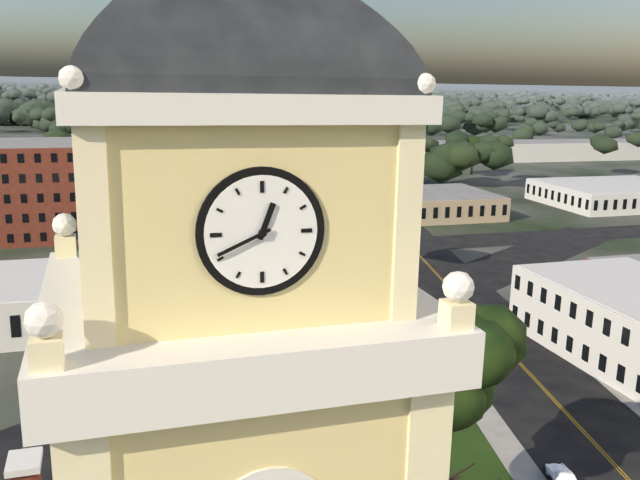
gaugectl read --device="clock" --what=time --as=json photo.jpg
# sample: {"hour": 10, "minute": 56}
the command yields {"hour": 12, "minute": 41}
